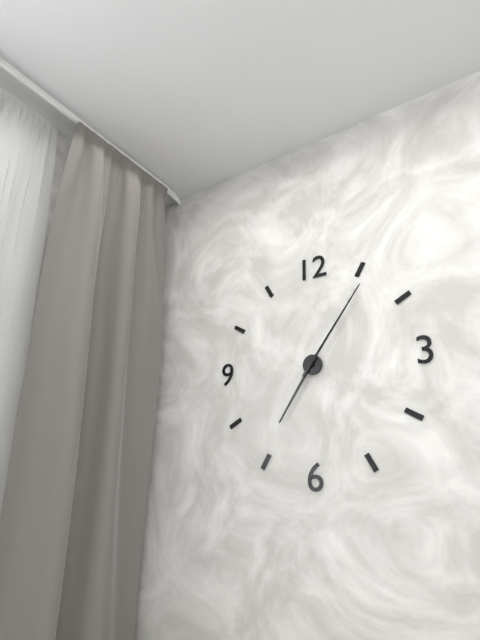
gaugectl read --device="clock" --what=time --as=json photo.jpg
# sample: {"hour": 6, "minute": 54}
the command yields {"hour": 7, "minute": 6}
